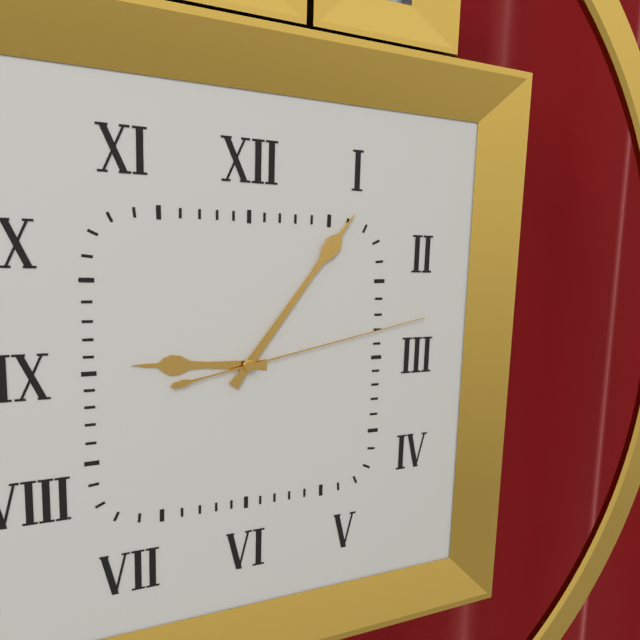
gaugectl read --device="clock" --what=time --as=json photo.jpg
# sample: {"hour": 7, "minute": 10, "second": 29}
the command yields {"hour": 9, "minute": 6, "second": 13}
